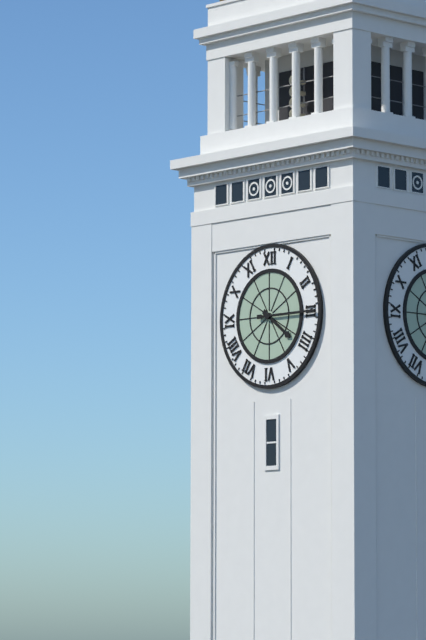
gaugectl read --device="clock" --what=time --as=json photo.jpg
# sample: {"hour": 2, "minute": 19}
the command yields {"hour": 4, "minute": 15}
